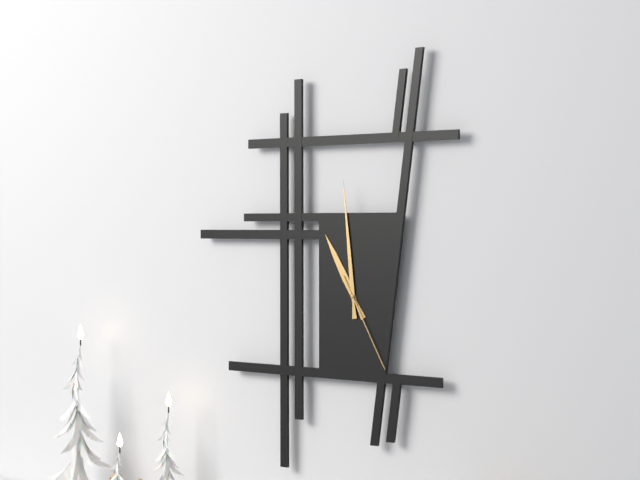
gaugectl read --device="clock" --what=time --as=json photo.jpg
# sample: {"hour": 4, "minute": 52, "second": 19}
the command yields {"hour": 10, "minute": 59, "second": 25}
